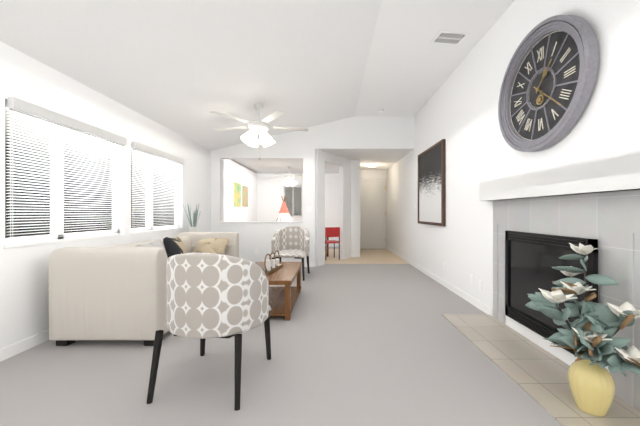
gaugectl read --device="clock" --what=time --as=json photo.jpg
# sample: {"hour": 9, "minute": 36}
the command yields {"hour": 1, "minute": 22}
